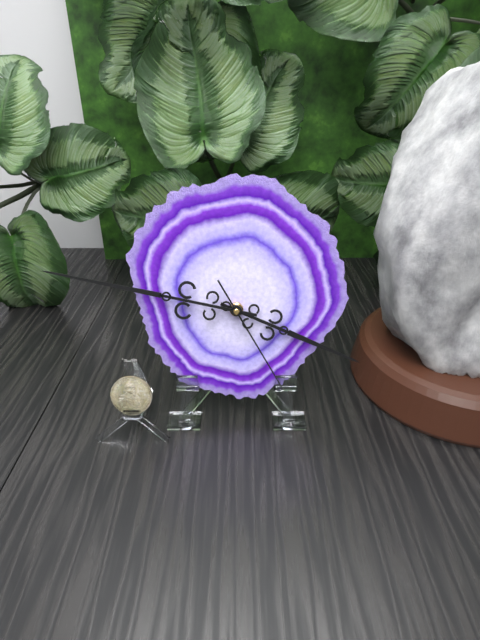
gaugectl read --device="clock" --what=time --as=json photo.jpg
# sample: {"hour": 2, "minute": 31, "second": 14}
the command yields {"hour": 3, "minute": 47, "second": 25}
